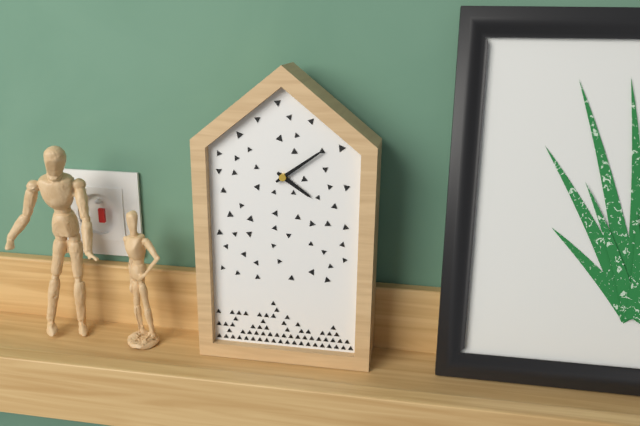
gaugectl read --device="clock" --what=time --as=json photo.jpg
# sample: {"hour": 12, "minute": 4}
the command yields {"hour": 4, "minute": 9}
